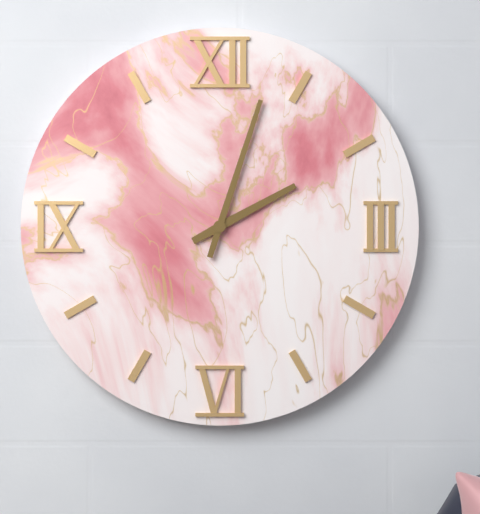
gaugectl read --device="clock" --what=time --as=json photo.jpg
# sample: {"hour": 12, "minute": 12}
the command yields {"hour": 2, "minute": 3}
